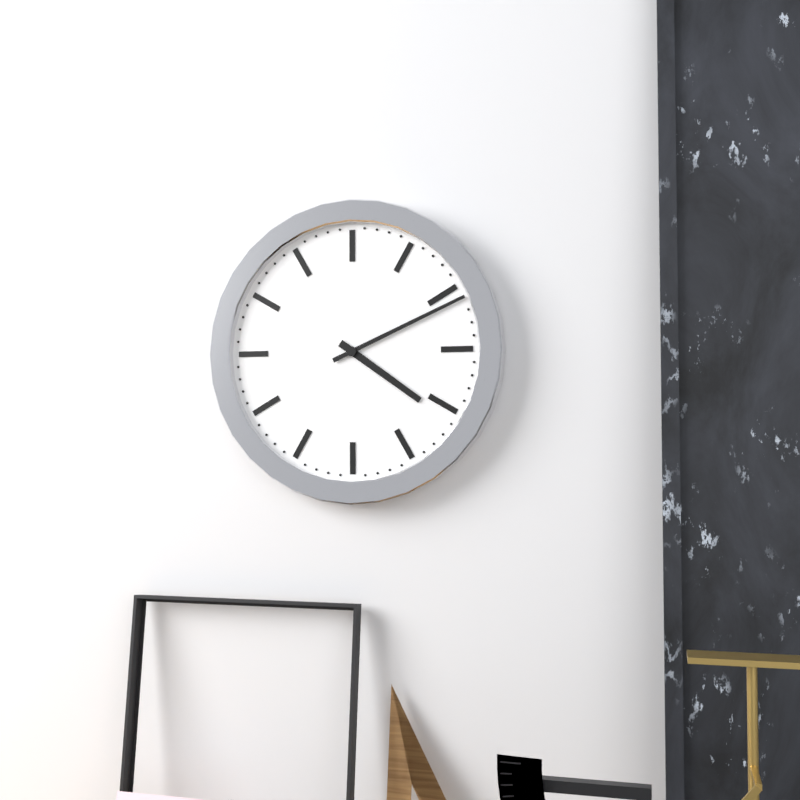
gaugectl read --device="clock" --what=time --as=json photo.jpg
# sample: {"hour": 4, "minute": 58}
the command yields {"hour": 4, "minute": 11}
